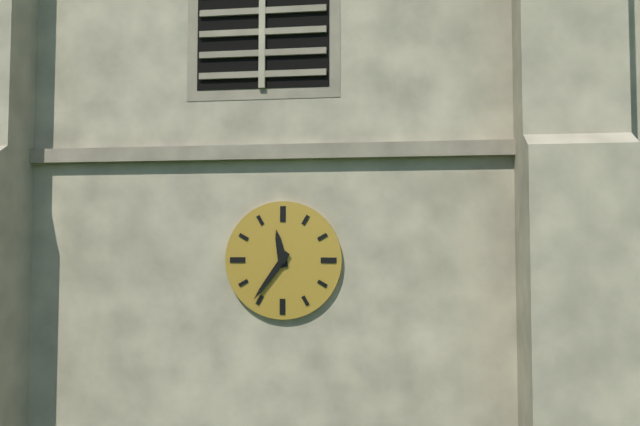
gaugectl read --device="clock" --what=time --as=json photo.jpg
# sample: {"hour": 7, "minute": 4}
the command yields {"hour": 11, "minute": 36}
